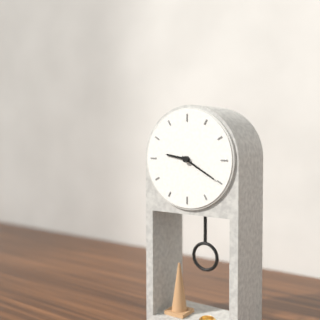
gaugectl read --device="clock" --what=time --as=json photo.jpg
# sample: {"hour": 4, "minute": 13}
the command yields {"hour": 9, "minute": 20}
